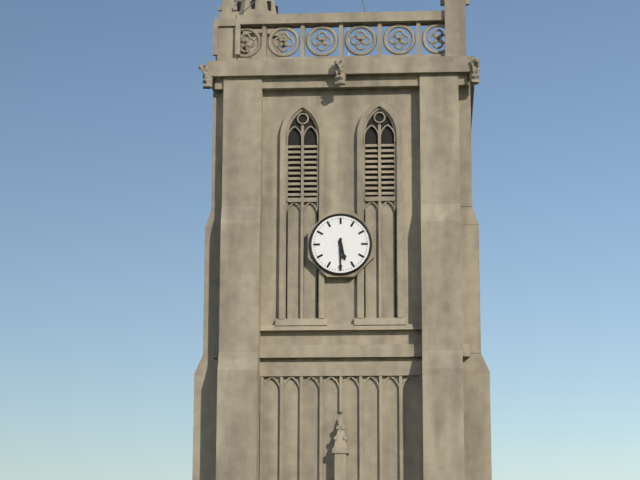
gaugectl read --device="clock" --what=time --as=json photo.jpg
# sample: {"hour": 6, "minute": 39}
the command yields {"hour": 5, "minute": 30}
